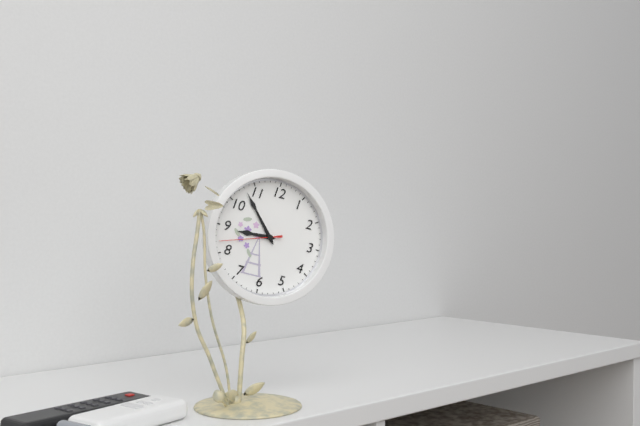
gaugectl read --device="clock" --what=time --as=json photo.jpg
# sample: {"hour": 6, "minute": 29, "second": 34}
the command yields {"hour": 8, "minute": 53, "second": 42}
